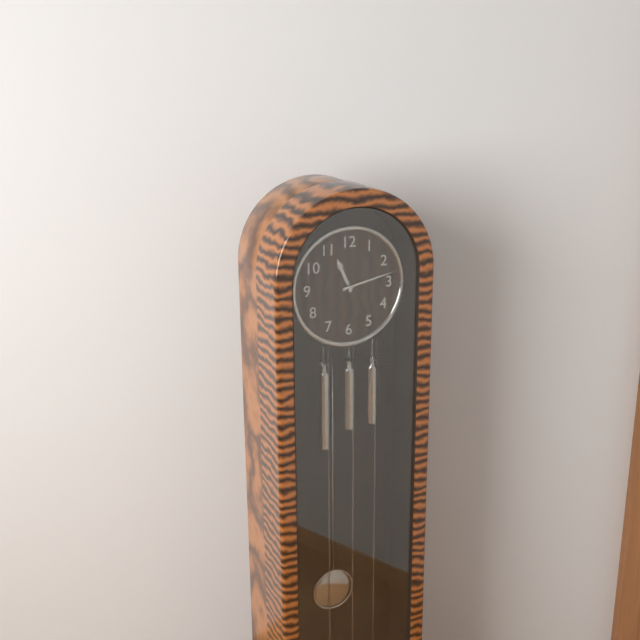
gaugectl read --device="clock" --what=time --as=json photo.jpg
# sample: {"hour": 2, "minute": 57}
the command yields {"hour": 11, "minute": 13}
